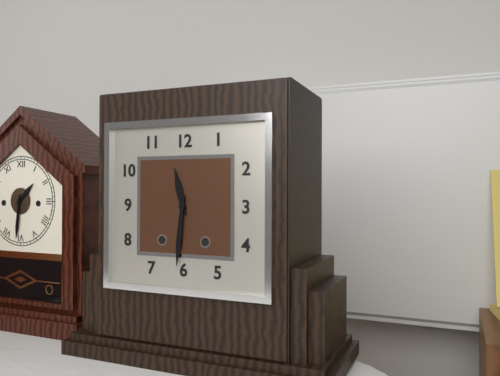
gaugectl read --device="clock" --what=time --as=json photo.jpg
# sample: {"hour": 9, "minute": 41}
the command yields {"hour": 11, "minute": 31}
